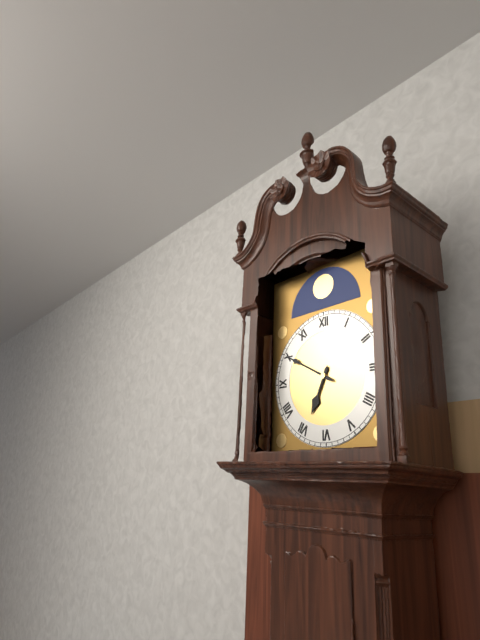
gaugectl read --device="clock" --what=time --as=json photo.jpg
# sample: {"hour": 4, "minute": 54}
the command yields {"hour": 6, "minute": 50}
